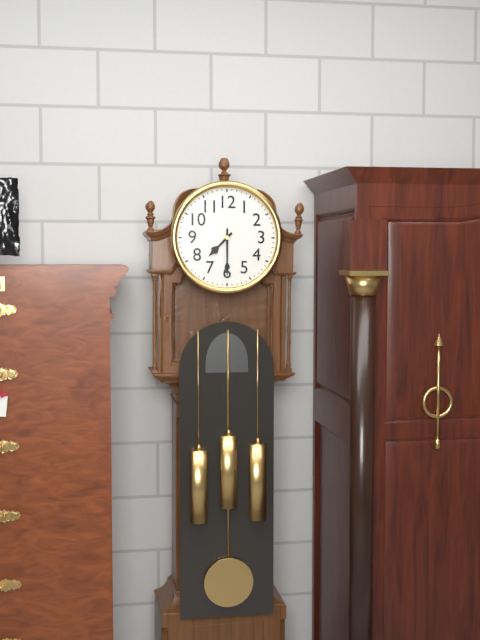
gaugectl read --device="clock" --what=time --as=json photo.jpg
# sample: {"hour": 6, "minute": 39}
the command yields {"hour": 7, "minute": 30}
